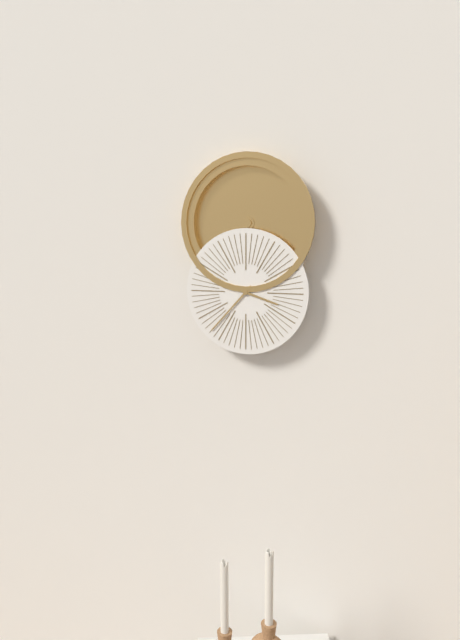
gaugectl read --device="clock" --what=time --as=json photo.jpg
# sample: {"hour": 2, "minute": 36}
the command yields {"hour": 3, "minute": 37}
